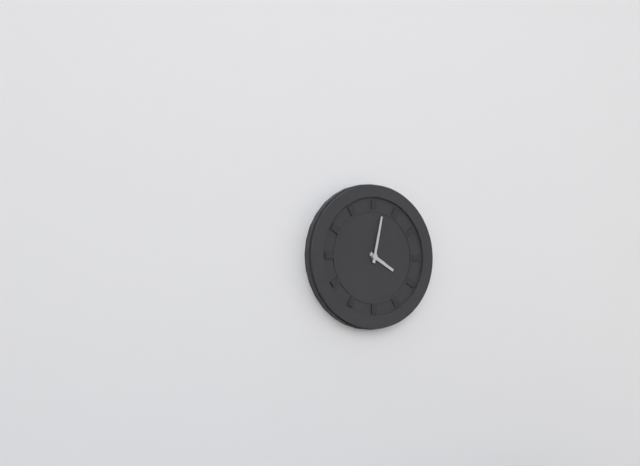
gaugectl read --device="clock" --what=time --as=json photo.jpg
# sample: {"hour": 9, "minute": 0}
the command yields {"hour": 4, "minute": 2}
